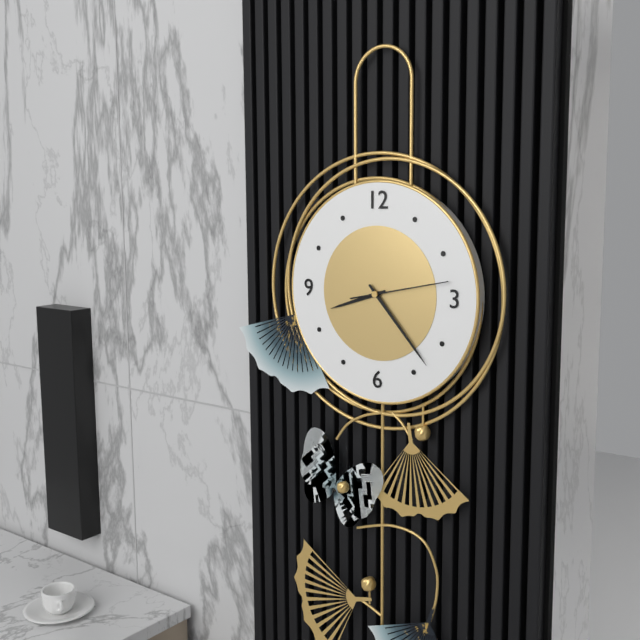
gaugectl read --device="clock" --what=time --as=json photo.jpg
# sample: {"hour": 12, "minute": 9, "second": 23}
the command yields {"hour": 8, "minute": 23, "second": 13}
